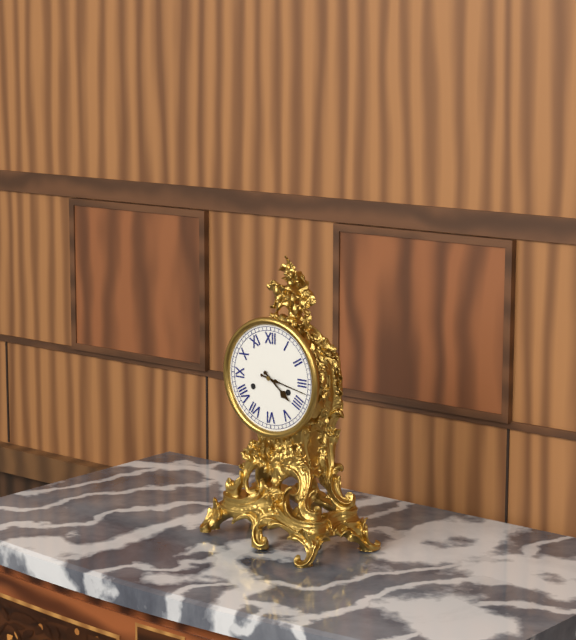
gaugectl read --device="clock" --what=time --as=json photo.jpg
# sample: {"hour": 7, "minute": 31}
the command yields {"hour": 4, "minute": 17}
